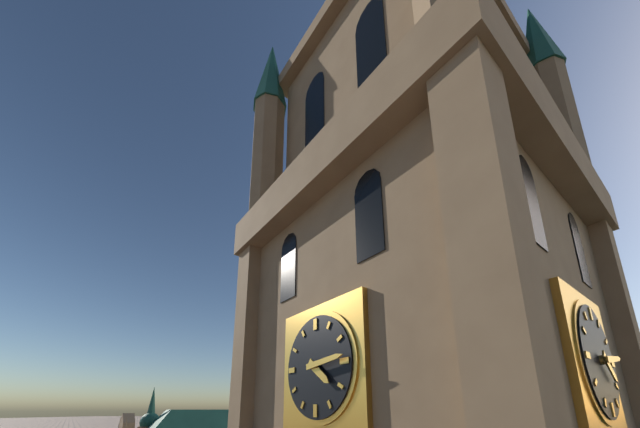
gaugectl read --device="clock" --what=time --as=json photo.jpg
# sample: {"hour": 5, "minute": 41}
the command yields {"hour": 4, "minute": 14}
